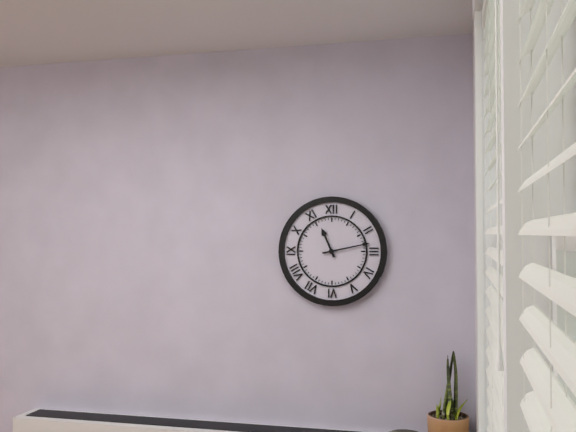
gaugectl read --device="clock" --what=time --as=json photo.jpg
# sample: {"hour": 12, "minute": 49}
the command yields {"hour": 11, "minute": 13}
